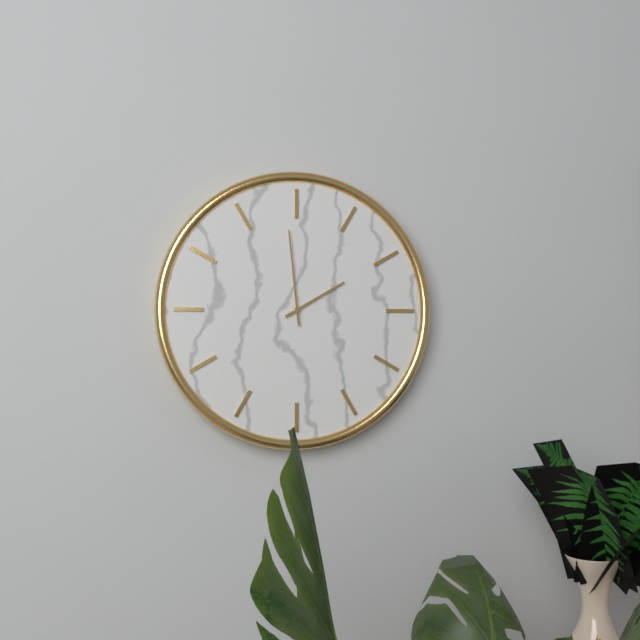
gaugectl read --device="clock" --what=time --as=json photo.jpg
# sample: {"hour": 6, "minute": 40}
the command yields {"hour": 1, "minute": 59}
